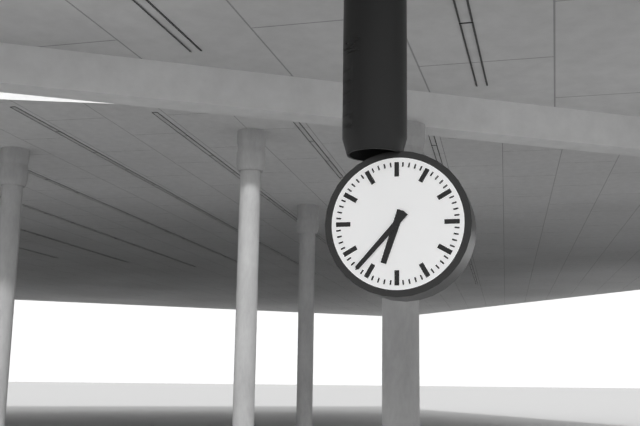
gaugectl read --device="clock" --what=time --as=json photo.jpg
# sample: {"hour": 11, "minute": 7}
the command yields {"hour": 6, "minute": 37}
